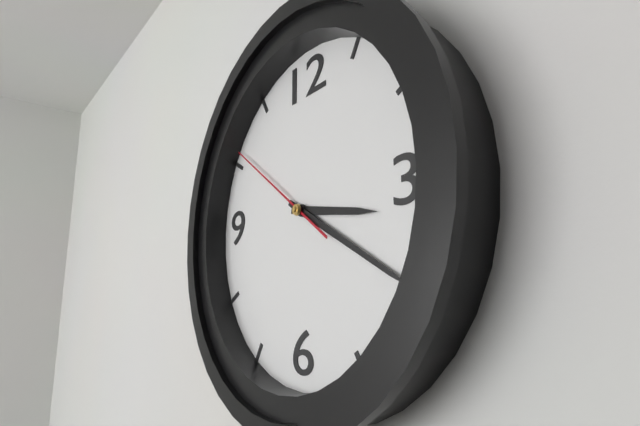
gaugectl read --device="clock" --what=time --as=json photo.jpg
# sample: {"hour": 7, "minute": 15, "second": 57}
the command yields {"hour": 3, "minute": 20, "second": 51}
